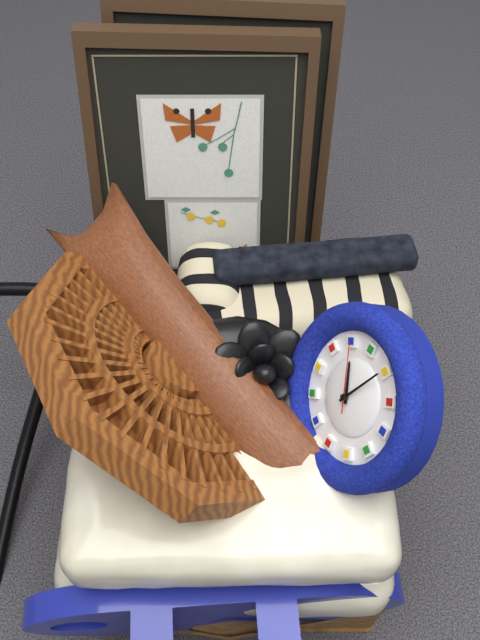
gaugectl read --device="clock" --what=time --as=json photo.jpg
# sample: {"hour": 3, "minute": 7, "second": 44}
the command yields {"hour": 12, "minute": 10, "second": 1}
